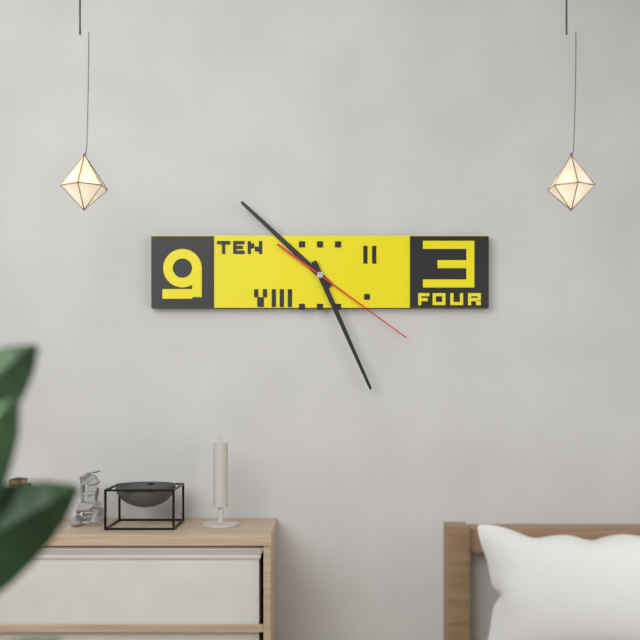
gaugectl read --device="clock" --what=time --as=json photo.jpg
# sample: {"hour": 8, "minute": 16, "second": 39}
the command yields {"hour": 10, "minute": 26, "second": 21}
